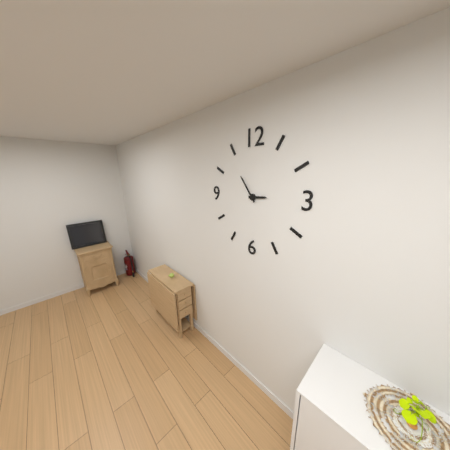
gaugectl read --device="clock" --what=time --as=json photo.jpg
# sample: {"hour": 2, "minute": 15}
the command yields {"hour": 2, "minute": 54}
